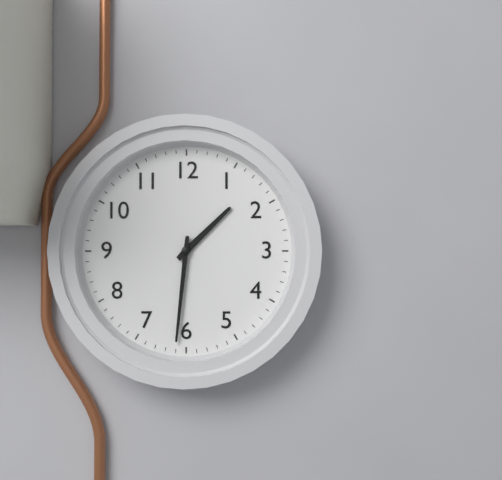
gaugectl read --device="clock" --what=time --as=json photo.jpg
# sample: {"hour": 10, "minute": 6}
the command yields {"hour": 1, "minute": 31}
